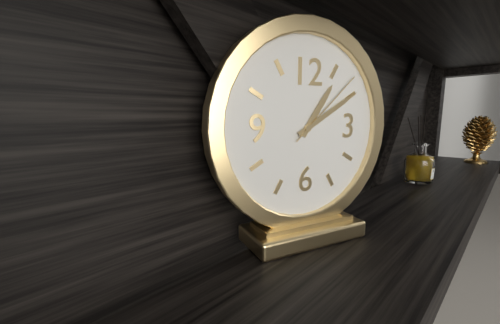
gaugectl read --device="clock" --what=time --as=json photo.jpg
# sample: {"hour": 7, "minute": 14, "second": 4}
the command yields {"hour": 1, "minute": 10, "second": 8}
